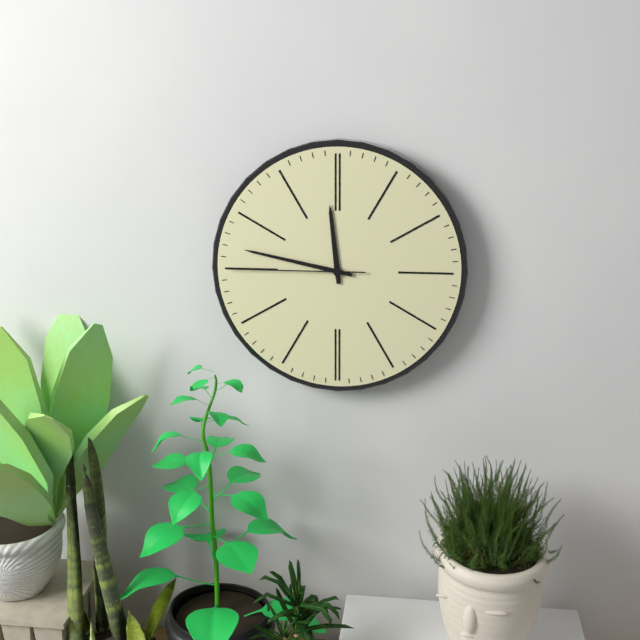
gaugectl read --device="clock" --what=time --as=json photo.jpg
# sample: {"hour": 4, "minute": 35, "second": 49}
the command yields {"hour": 11, "minute": 47, "second": 45}
